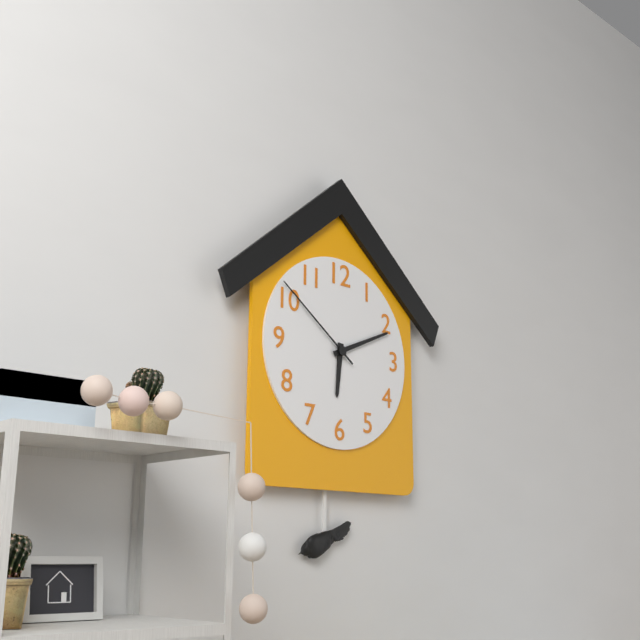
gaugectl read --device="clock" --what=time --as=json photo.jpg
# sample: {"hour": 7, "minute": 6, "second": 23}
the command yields {"hour": 6, "minute": 11, "second": 51}
